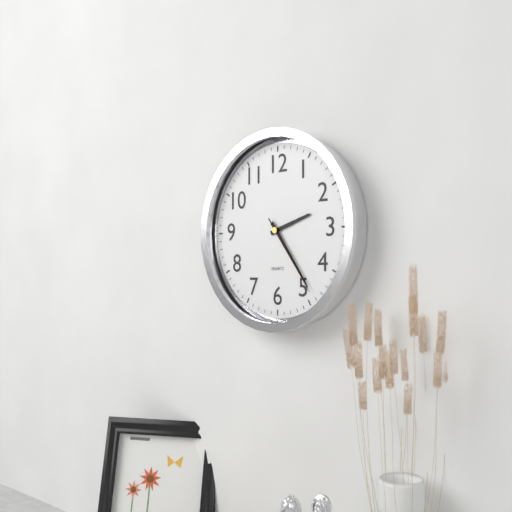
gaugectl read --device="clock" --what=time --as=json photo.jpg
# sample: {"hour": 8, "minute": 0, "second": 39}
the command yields {"hour": 2, "minute": 24, "second": 24}
